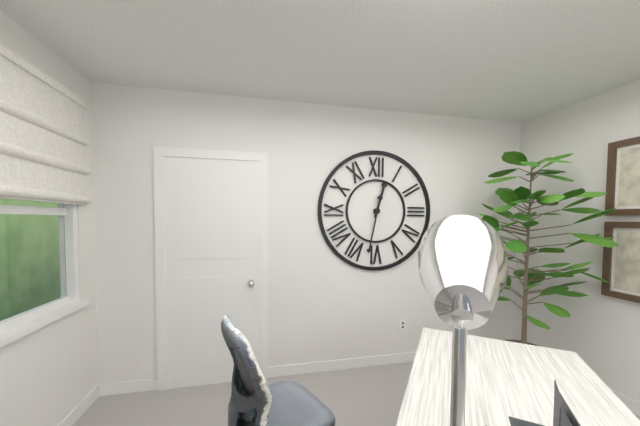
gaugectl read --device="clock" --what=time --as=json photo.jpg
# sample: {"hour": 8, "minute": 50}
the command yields {"hour": 12, "minute": 32}
